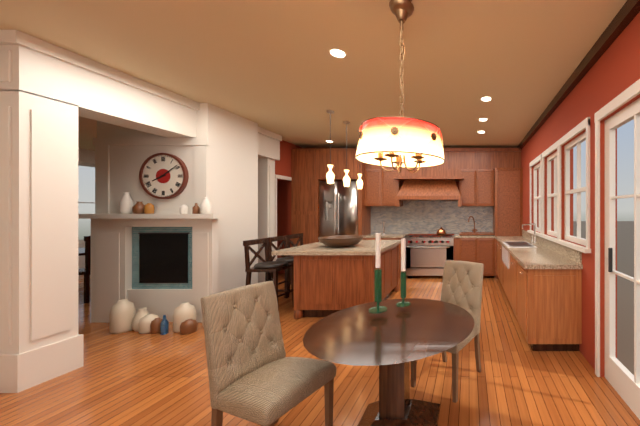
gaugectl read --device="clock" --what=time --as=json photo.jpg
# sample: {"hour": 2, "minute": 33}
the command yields {"hour": 8, "minute": 9}
